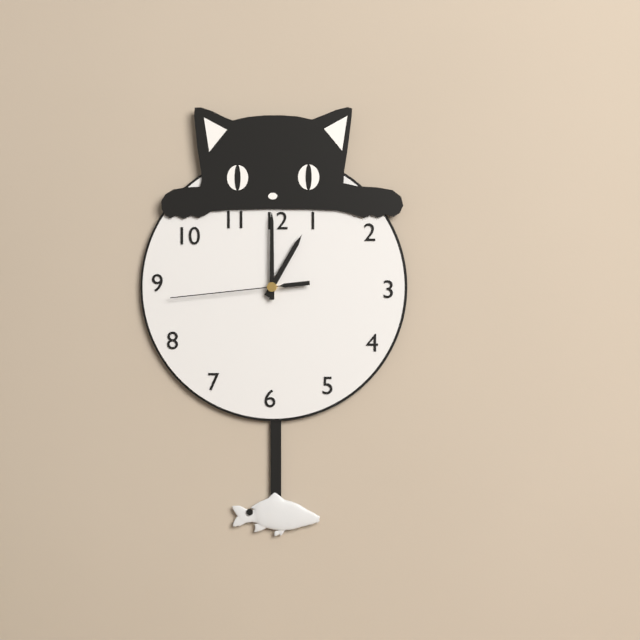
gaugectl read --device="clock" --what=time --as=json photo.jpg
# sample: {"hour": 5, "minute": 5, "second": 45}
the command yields {"hour": 1, "minute": 0, "second": 44}
